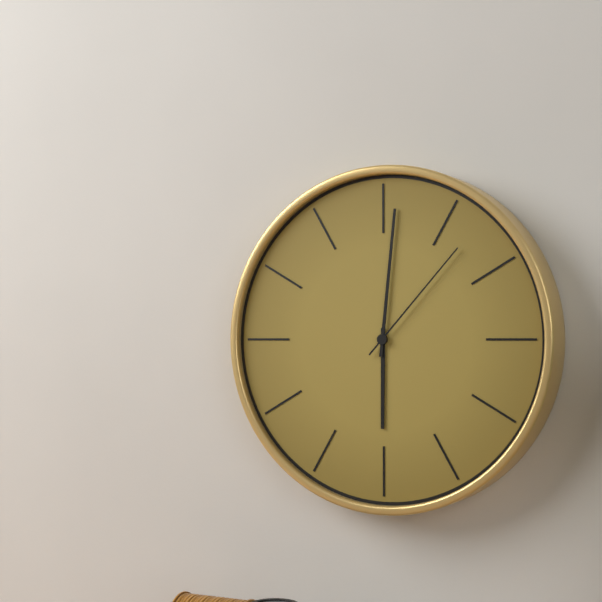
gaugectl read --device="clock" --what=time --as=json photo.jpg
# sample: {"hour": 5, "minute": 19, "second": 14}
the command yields {"hour": 6, "minute": 1, "second": 7}
